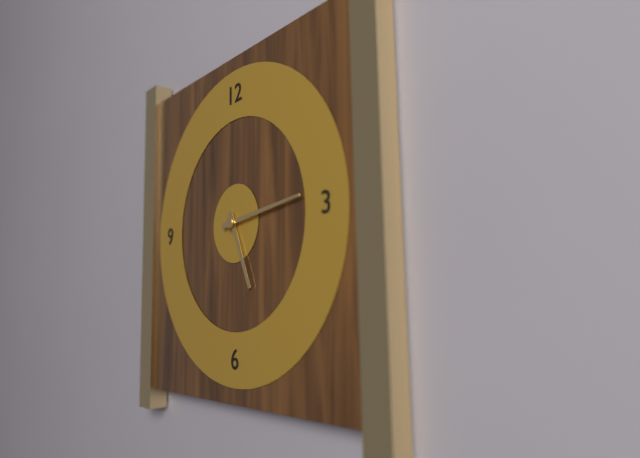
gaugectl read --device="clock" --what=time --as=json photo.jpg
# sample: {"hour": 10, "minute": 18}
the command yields {"hour": 5, "minute": 14}
